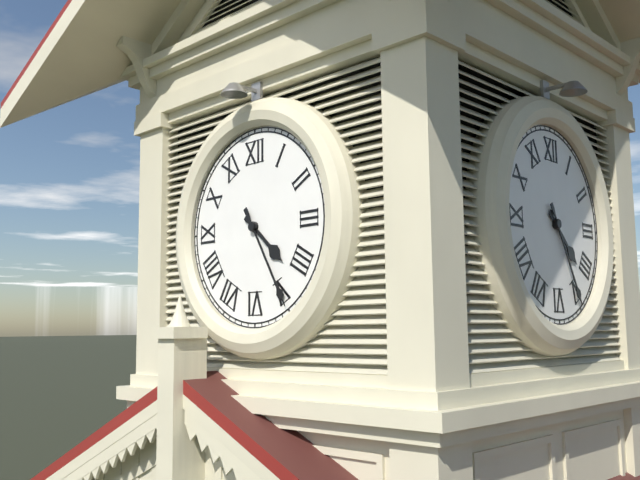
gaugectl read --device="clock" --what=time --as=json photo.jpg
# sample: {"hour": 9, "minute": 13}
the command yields {"hour": 4, "minute": 25}
